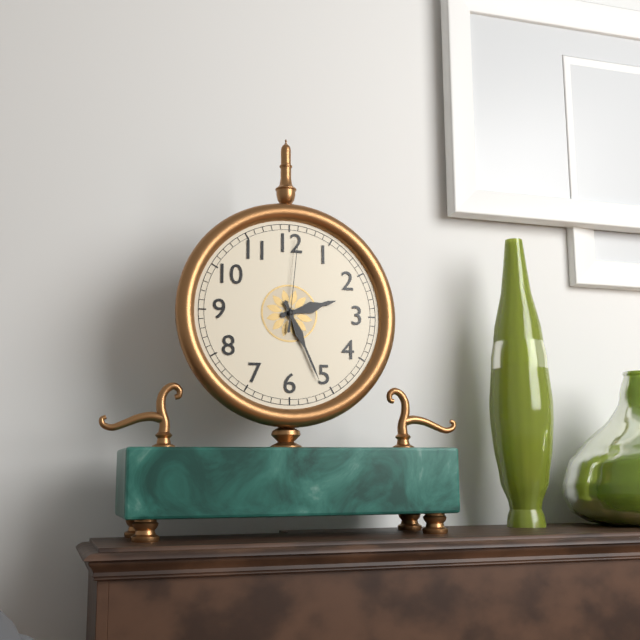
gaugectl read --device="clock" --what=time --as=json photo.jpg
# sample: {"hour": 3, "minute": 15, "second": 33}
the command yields {"hour": 2, "minute": 26, "second": 1}
